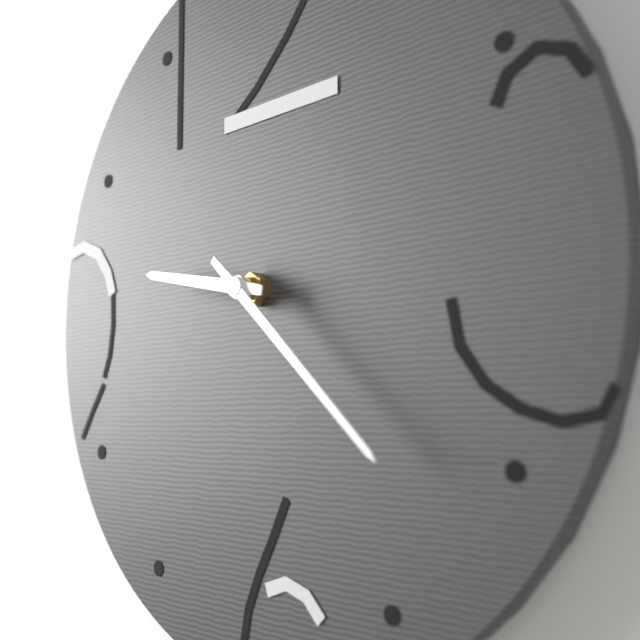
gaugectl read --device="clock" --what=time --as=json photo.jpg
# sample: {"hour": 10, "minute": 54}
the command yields {"hour": 9, "minute": 22}
